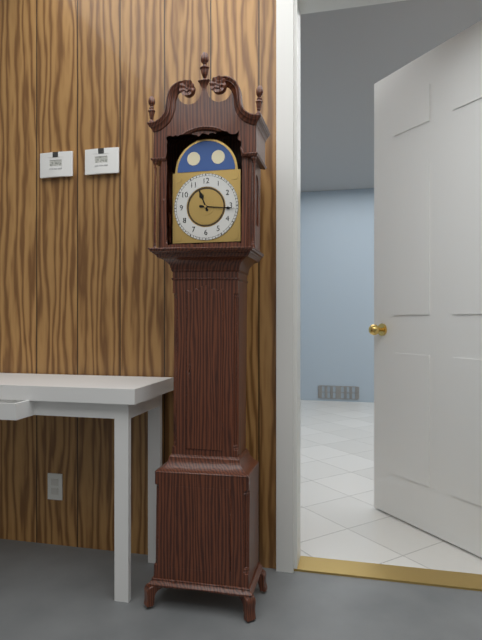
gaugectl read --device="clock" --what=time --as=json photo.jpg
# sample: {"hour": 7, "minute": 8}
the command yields {"hour": 11, "minute": 16}
